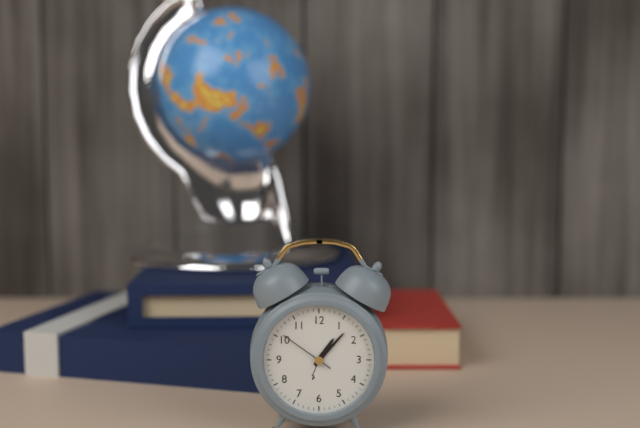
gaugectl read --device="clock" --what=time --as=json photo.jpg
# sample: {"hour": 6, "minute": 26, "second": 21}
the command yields {"hour": 1, "minute": 7, "second": 51}
